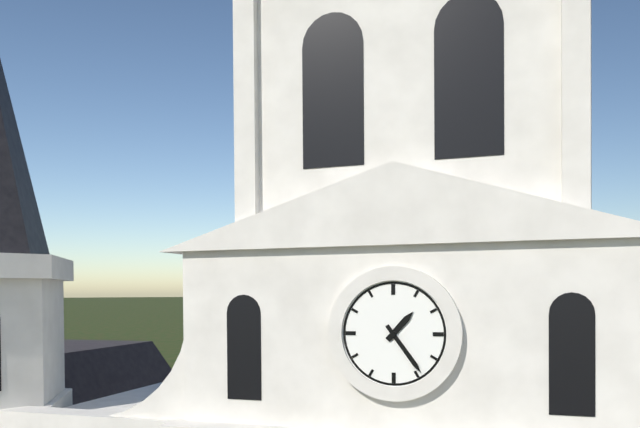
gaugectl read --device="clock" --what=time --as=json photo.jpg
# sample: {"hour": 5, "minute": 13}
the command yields {"hour": 1, "minute": 24}
